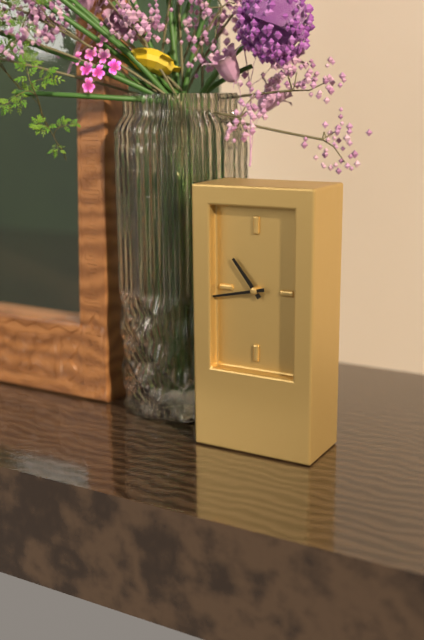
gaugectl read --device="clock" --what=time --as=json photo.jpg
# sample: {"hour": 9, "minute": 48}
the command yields {"hour": 10, "minute": 43}
